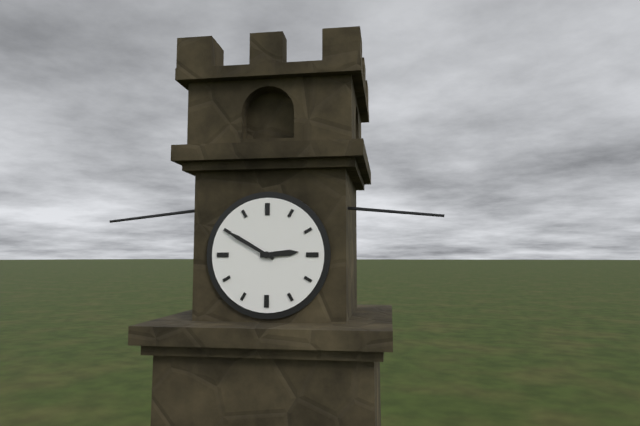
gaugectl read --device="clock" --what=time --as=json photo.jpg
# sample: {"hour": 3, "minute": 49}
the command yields {"hour": 2, "minute": 50}
